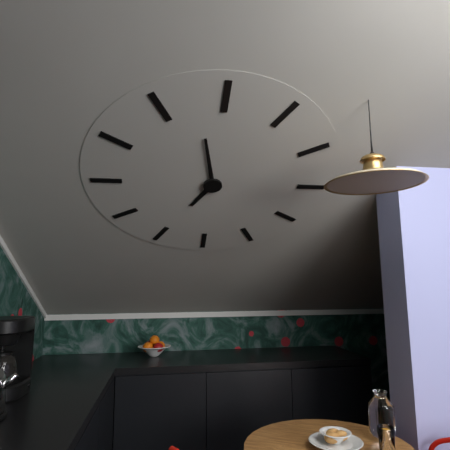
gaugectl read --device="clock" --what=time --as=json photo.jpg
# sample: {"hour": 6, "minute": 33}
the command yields {"hour": 6, "minute": 58}
